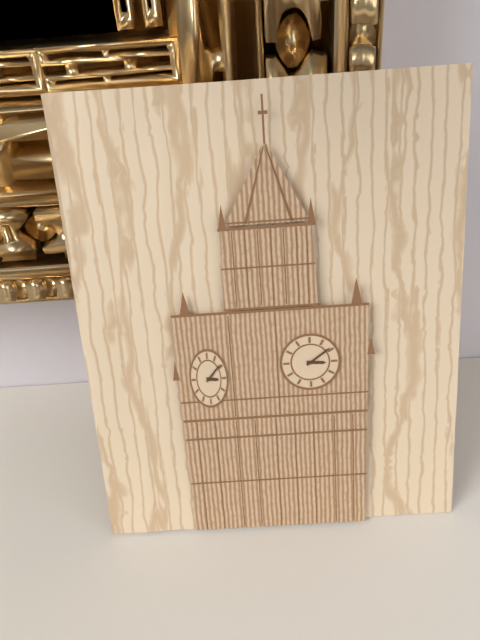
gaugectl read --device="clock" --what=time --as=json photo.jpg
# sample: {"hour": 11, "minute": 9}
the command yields {"hour": 3, "minute": 9}
